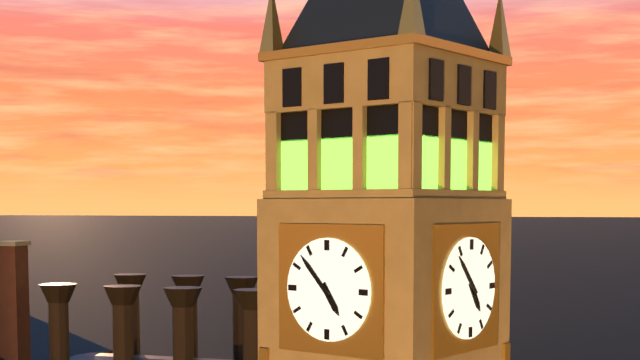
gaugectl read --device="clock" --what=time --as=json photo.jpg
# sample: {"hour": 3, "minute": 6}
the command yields {"hour": 4, "minute": 53}
